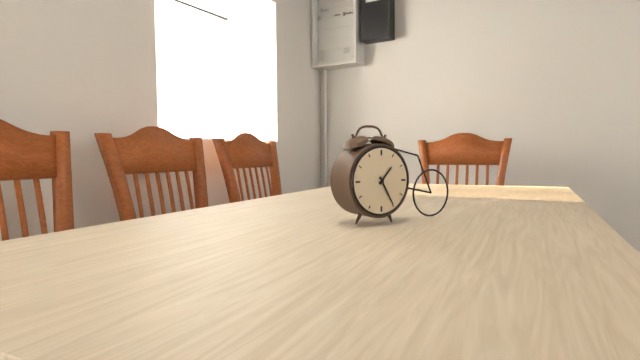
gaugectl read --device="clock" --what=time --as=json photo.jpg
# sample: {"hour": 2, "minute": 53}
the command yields {"hour": 1, "minute": 25}
